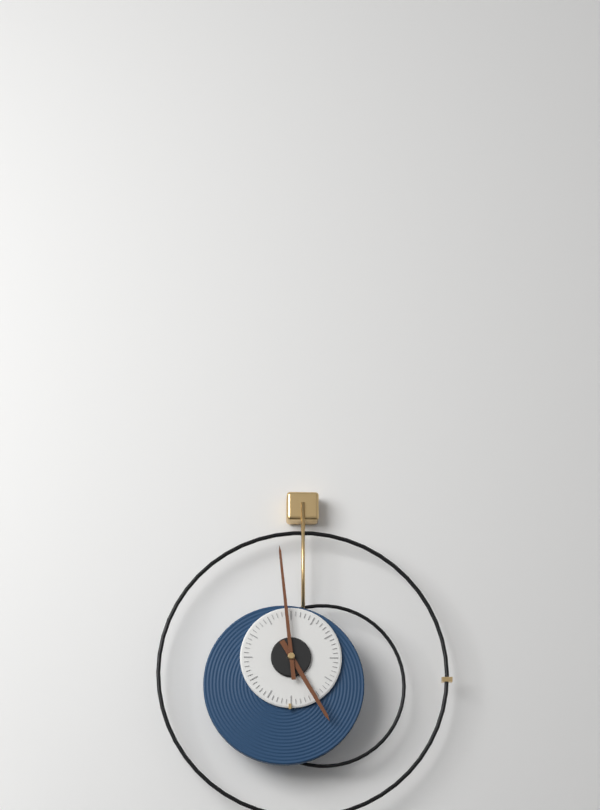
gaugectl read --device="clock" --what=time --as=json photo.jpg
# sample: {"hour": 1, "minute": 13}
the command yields {"hour": 4, "minute": 59}
